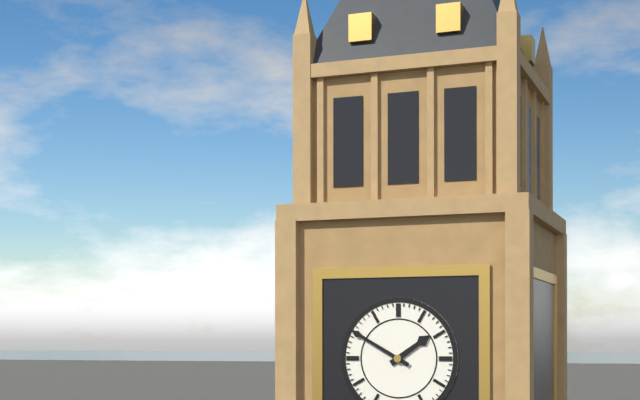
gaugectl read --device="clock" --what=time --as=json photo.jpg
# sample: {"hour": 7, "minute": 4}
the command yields {"hour": 1, "minute": 50}
